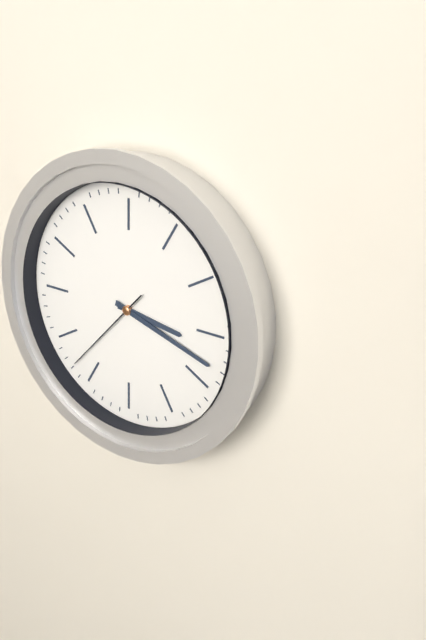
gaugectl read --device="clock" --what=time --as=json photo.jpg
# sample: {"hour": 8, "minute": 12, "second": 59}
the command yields {"hour": 3, "minute": 18, "second": 37}
